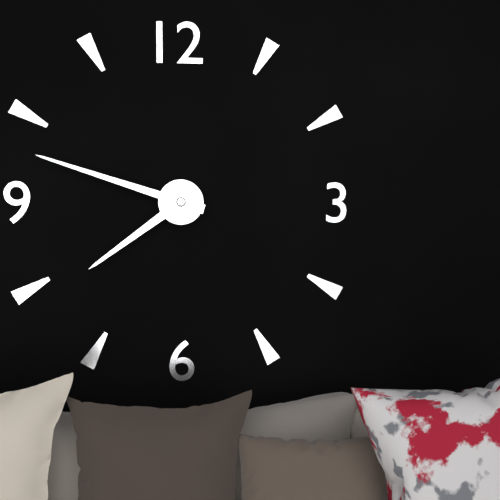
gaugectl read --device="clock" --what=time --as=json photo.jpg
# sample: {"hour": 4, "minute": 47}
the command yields {"hour": 7, "minute": 48}
